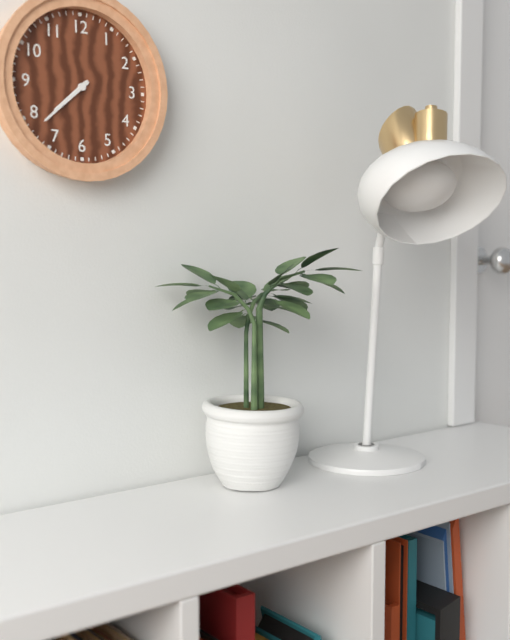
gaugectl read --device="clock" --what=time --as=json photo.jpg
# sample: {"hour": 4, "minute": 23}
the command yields {"hour": 7, "minute": 38}
